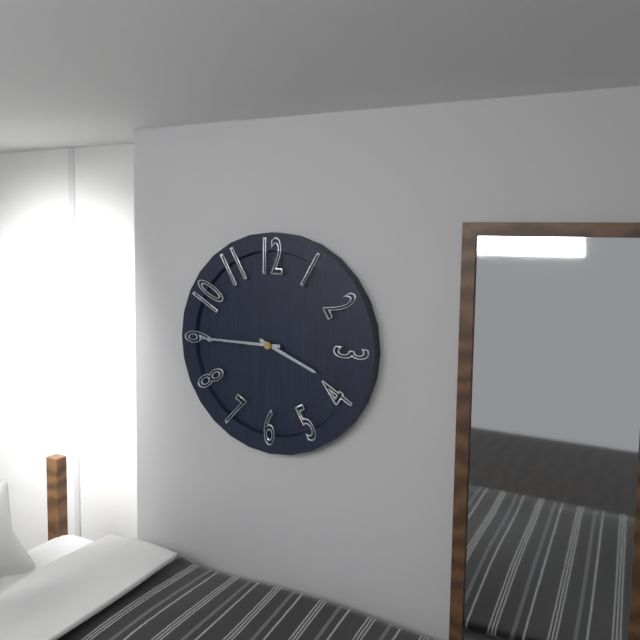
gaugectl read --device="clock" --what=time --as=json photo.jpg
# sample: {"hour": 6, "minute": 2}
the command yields {"hour": 3, "minute": 45}
